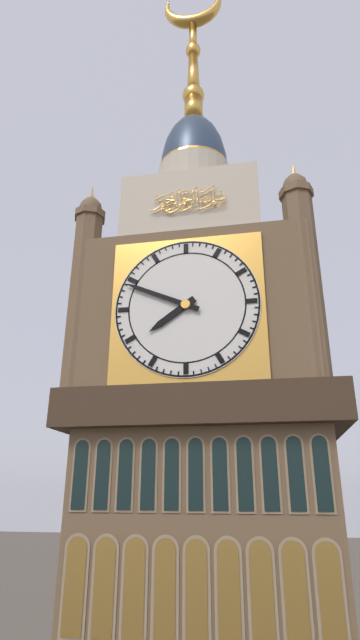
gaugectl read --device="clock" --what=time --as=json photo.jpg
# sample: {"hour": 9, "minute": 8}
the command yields {"hour": 7, "minute": 49}
